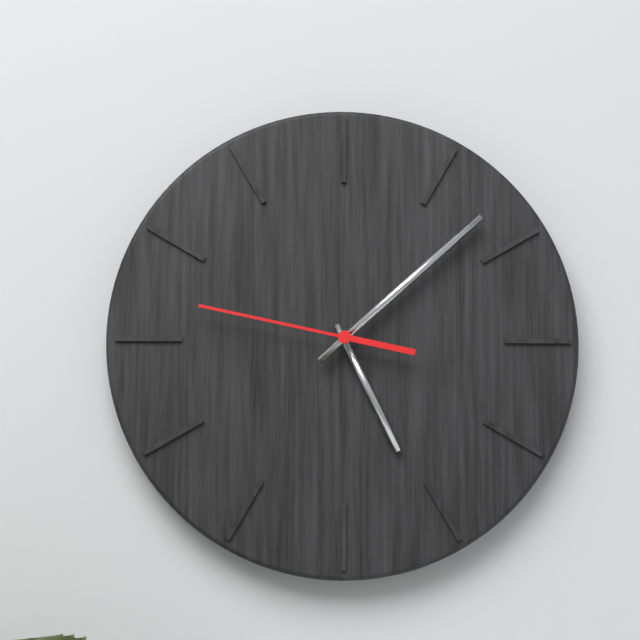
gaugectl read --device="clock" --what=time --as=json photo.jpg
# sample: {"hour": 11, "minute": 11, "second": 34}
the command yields {"hour": 5, "minute": 8, "second": 47}
